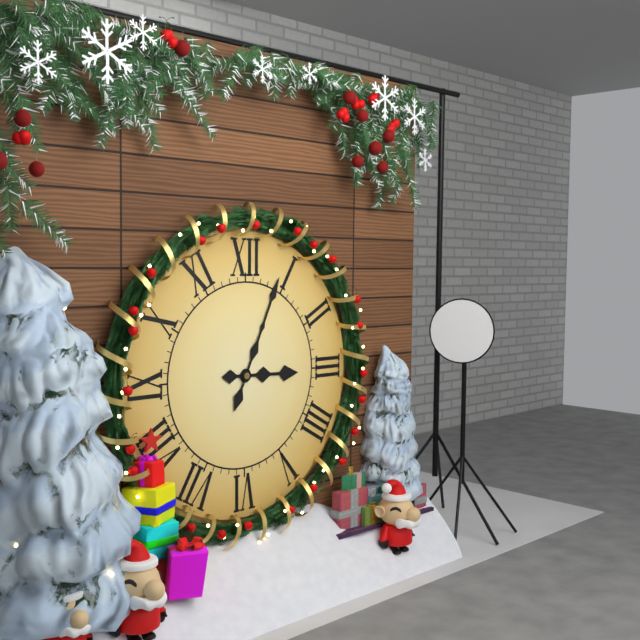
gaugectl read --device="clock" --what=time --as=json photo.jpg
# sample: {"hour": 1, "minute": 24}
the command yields {"hour": 3, "minute": 4}
